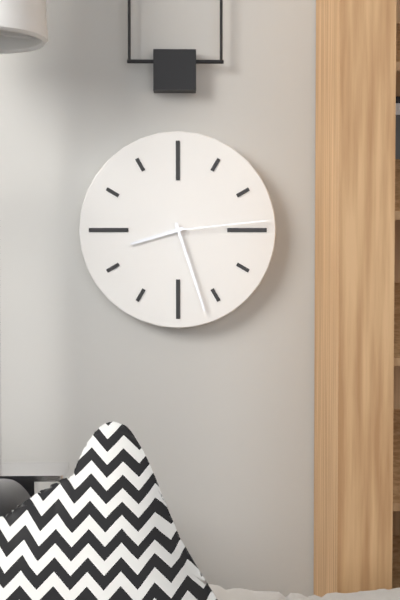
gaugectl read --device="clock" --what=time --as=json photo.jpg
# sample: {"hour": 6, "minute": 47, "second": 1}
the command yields {"hour": 8, "minute": 27, "second": 14}
